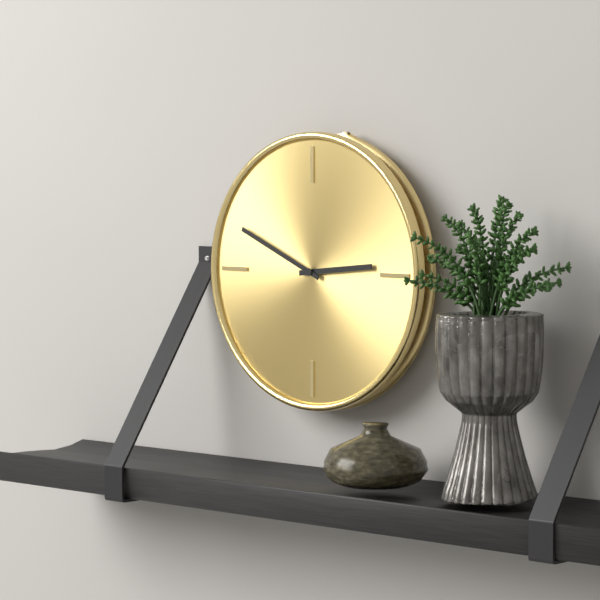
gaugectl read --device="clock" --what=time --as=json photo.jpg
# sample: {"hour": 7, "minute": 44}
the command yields {"hour": 2, "minute": 49}
